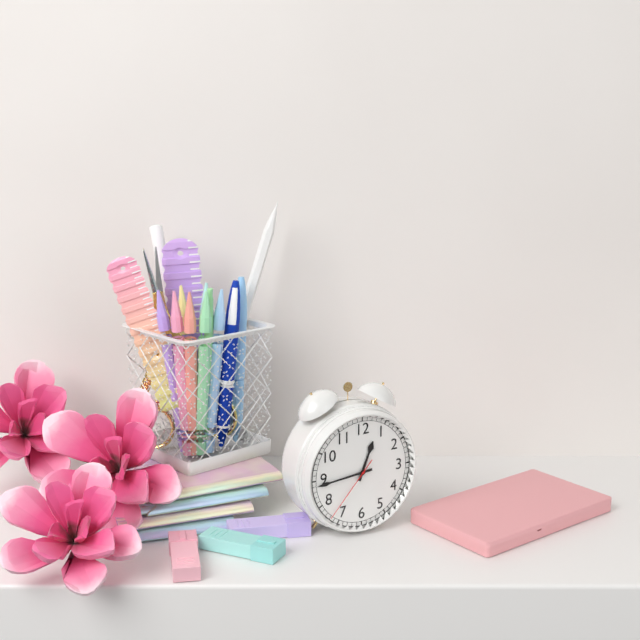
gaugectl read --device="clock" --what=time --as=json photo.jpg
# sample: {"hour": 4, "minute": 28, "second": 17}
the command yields {"hour": 12, "minute": 44, "second": 37}
